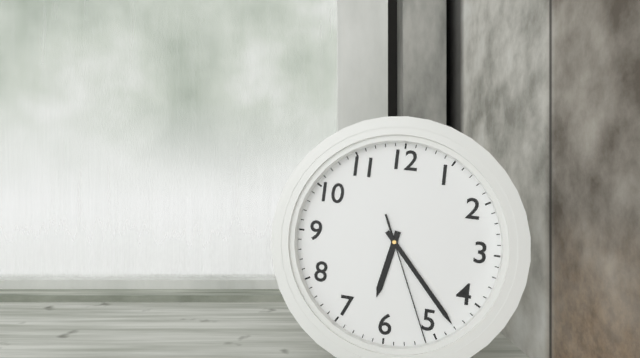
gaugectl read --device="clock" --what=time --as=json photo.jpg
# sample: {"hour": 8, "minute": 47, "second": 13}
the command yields {"hour": 6, "minute": 23, "second": 26}
